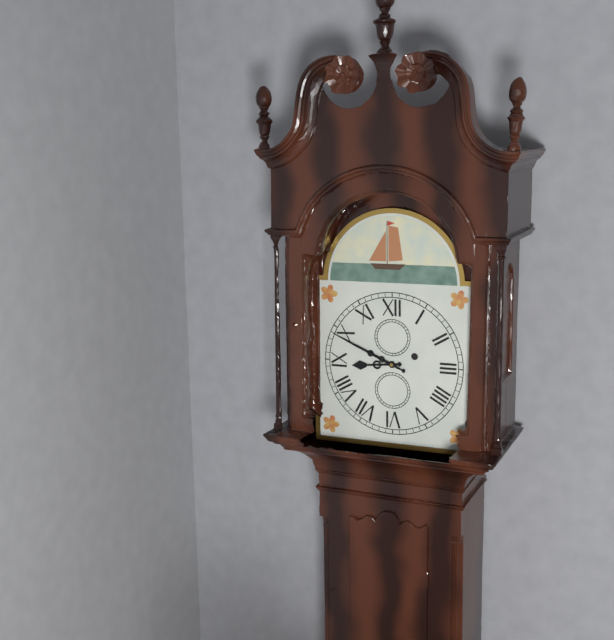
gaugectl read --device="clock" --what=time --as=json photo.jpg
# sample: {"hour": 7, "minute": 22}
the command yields {"hour": 8, "minute": 49}
